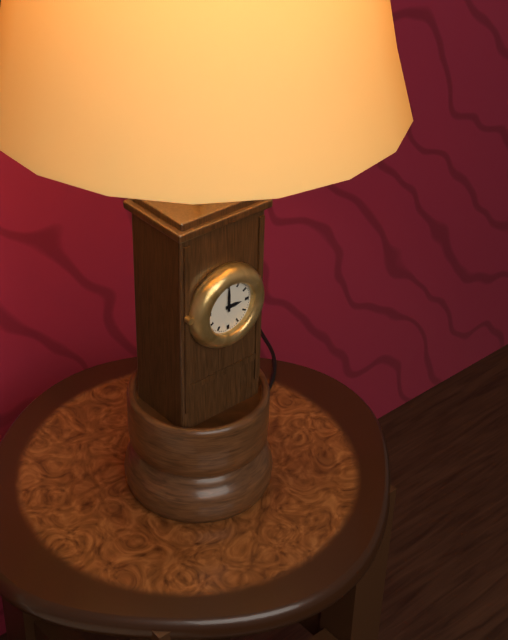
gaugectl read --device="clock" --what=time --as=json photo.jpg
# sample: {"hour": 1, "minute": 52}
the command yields {"hour": 3, "minute": 0}
